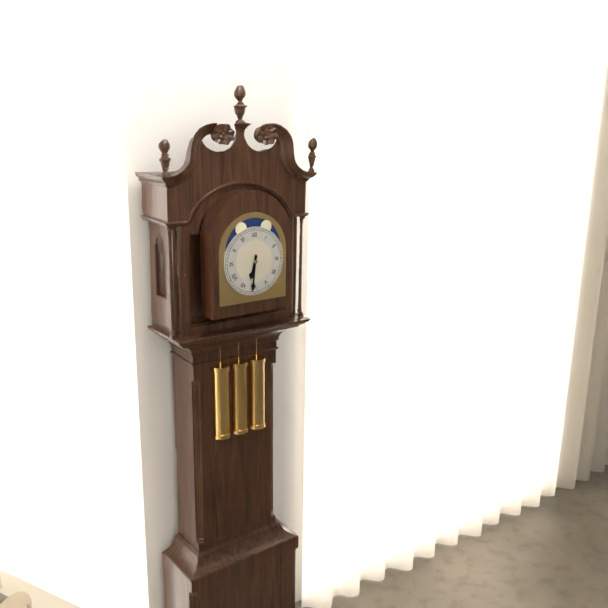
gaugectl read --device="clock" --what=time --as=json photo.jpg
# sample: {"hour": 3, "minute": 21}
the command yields {"hour": 6, "minute": 31}
